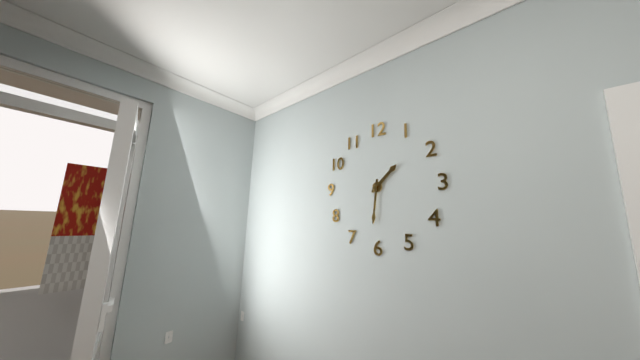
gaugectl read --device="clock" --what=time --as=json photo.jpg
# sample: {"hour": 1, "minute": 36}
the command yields {"hour": 1, "minute": 31}
